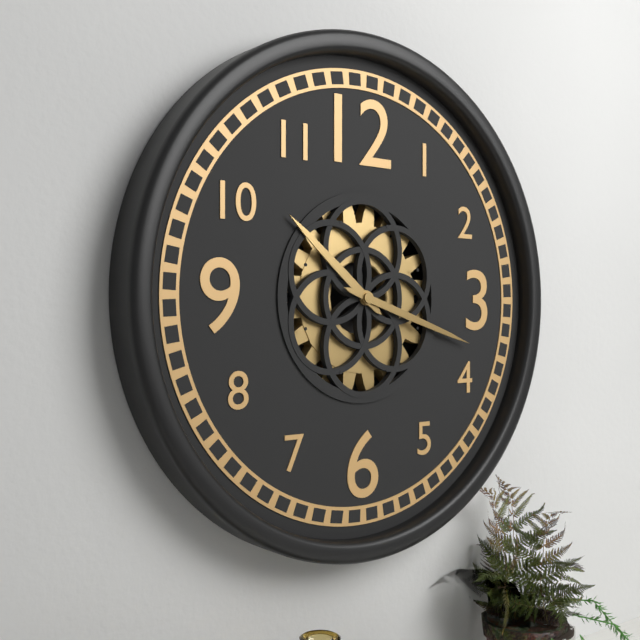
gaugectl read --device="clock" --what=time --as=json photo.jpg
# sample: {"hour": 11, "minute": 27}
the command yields {"hour": 10, "minute": 18}
